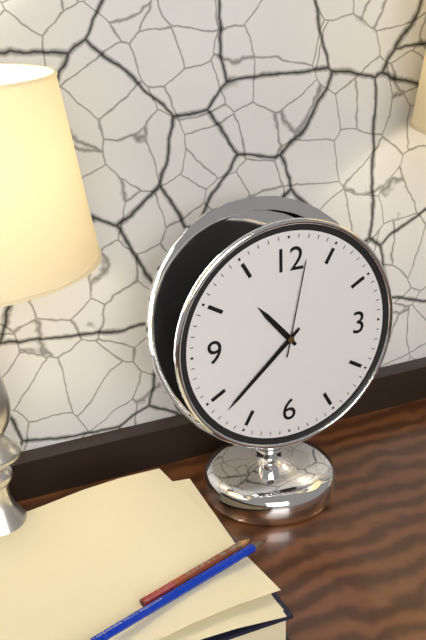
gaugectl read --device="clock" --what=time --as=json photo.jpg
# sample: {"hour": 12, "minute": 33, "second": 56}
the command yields {"hour": 10, "minute": 38, "second": 2}
